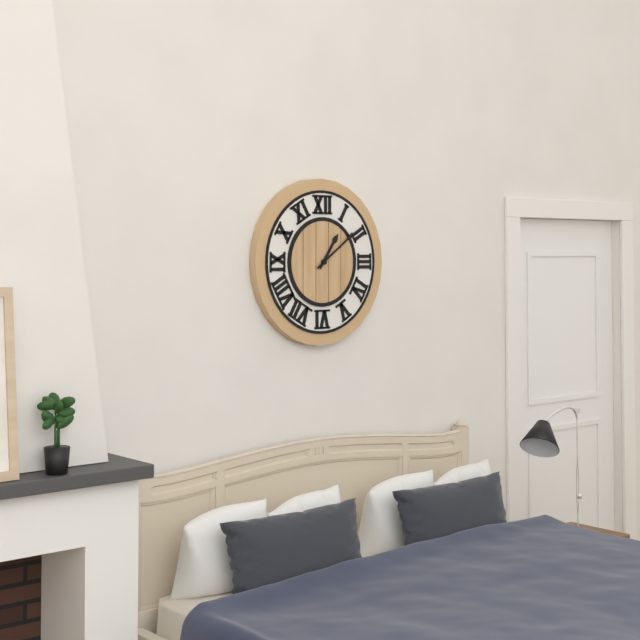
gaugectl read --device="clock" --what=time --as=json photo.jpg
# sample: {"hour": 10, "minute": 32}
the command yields {"hour": 1, "minute": 9}
